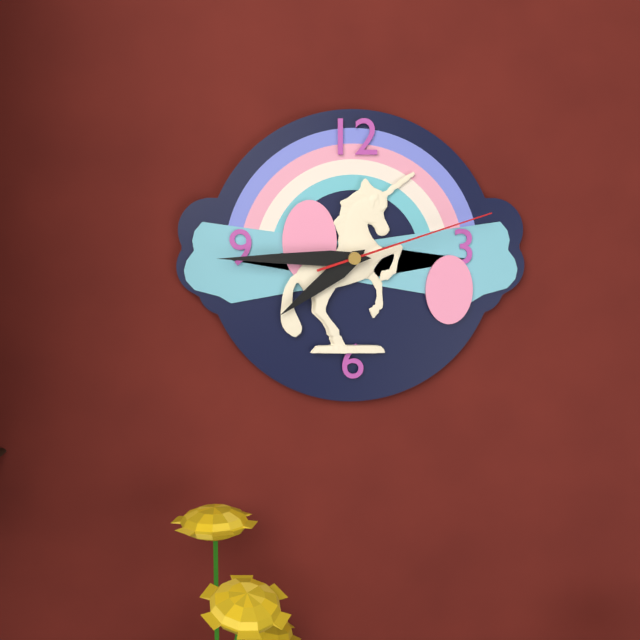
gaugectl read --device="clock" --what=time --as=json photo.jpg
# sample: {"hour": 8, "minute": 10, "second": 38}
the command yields {"hour": 7, "minute": 45, "second": 12}
